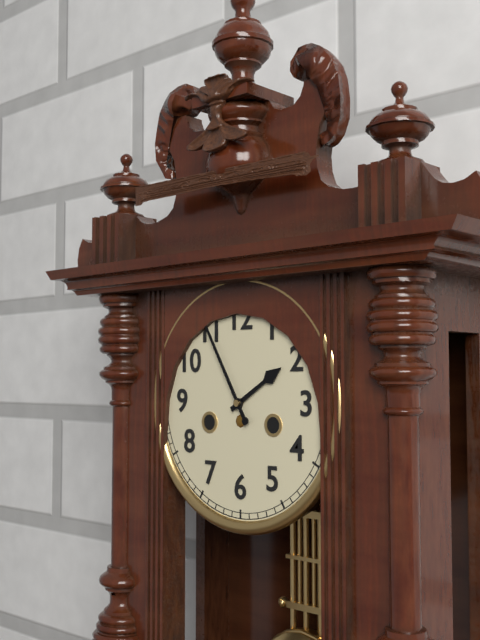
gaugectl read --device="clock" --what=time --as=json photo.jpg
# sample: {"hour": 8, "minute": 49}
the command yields {"hour": 1, "minute": 55}
